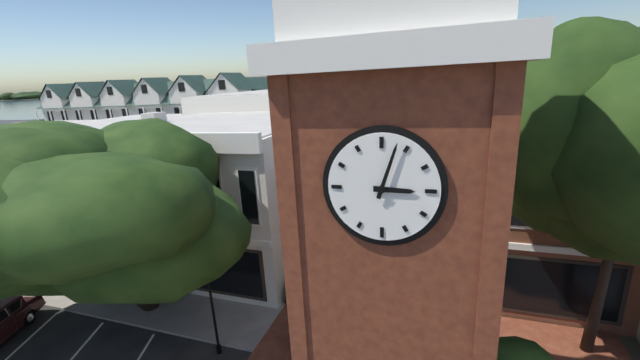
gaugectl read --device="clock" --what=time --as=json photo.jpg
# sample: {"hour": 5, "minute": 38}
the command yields {"hour": 3, "minute": 3}
